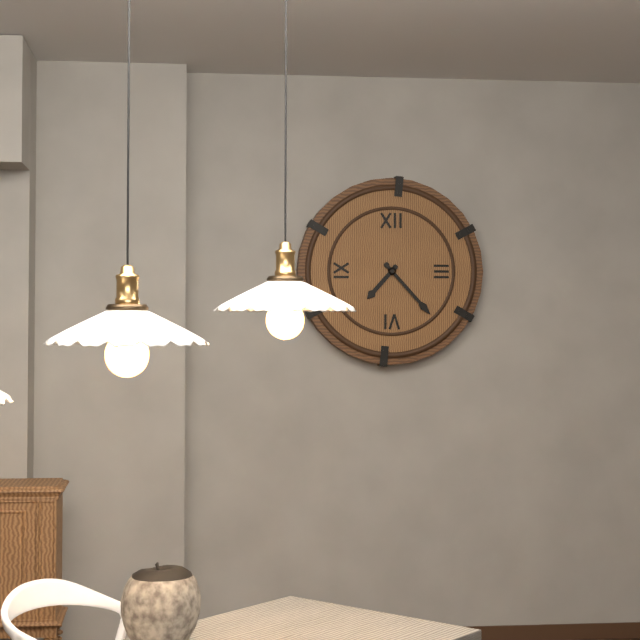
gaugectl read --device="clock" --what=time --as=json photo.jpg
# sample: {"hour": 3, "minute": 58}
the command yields {"hour": 7, "minute": 23}
